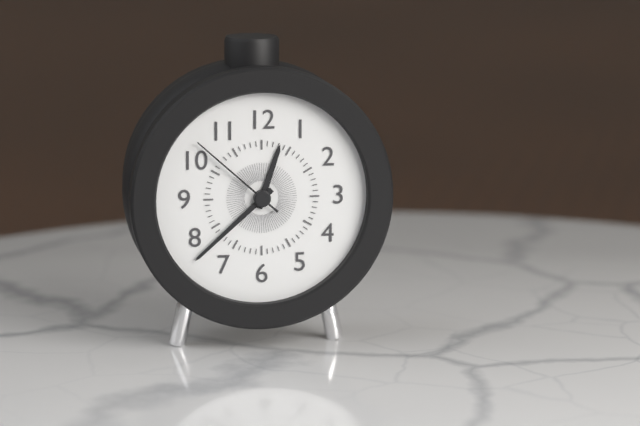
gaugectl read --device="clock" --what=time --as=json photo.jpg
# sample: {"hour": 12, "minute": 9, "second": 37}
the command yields {"hour": 12, "minute": 38, "second": 52}
